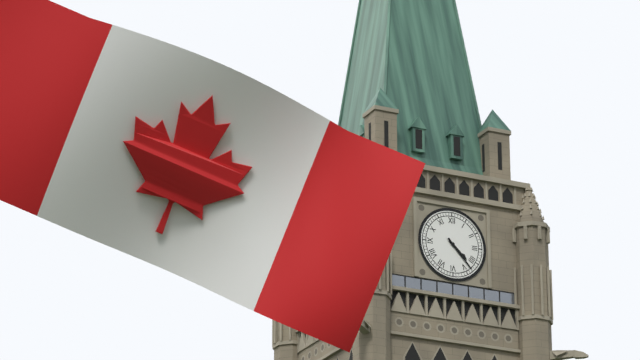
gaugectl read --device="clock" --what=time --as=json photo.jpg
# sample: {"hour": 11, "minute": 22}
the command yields {"hour": 4, "minute": 23}
